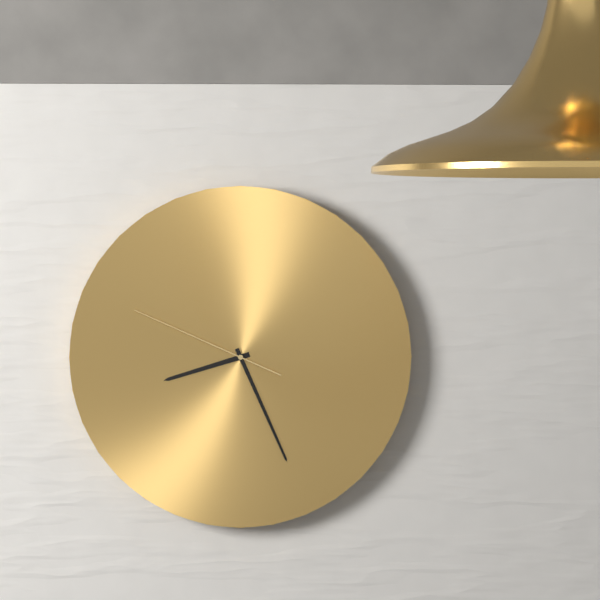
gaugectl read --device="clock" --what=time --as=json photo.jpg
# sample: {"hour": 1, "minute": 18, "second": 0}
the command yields {"hour": 8, "minute": 26, "second": 49}
